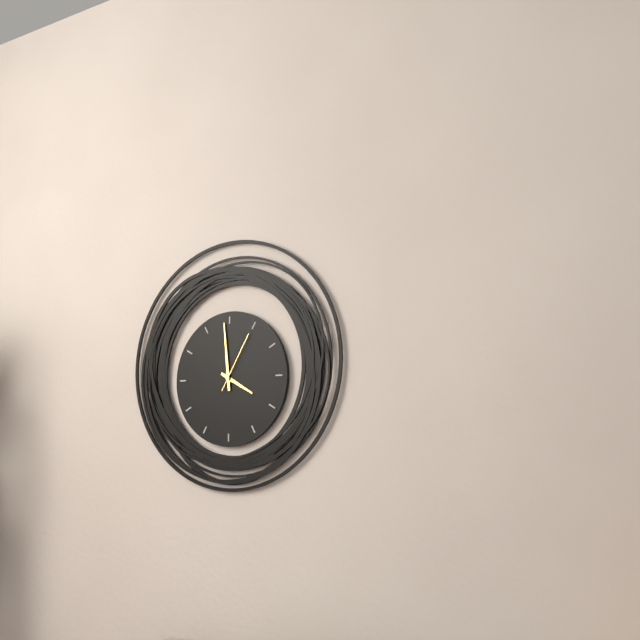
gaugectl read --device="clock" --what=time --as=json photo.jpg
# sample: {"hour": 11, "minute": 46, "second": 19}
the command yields {"hour": 3, "minute": 59, "second": 5}
